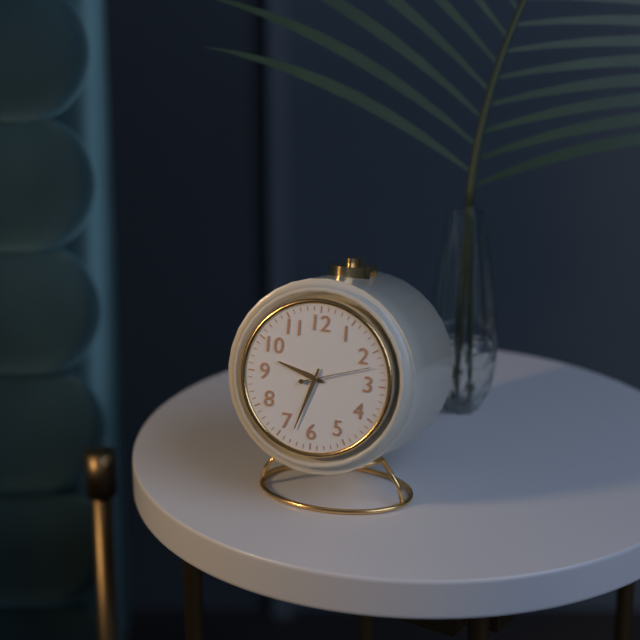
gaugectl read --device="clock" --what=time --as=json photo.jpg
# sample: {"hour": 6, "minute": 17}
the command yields {"hour": 9, "minute": 33}
